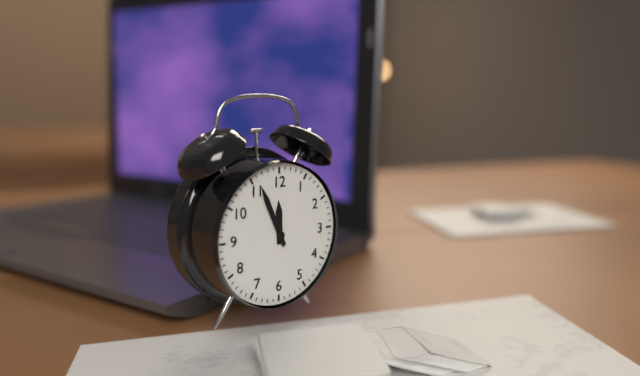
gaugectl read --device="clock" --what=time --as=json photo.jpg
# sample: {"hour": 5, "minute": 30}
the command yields {"hour": 11, "minute": 56}
